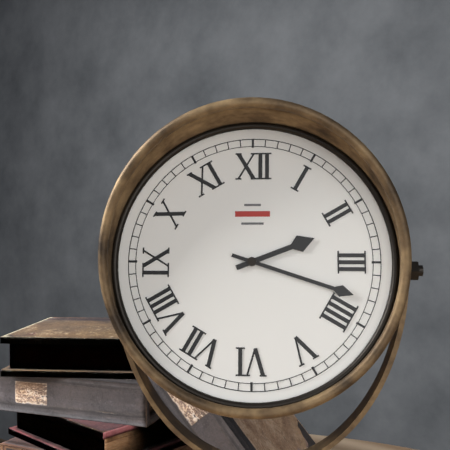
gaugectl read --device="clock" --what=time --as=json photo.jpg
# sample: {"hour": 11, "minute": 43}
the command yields {"hour": 2, "minute": 18}
